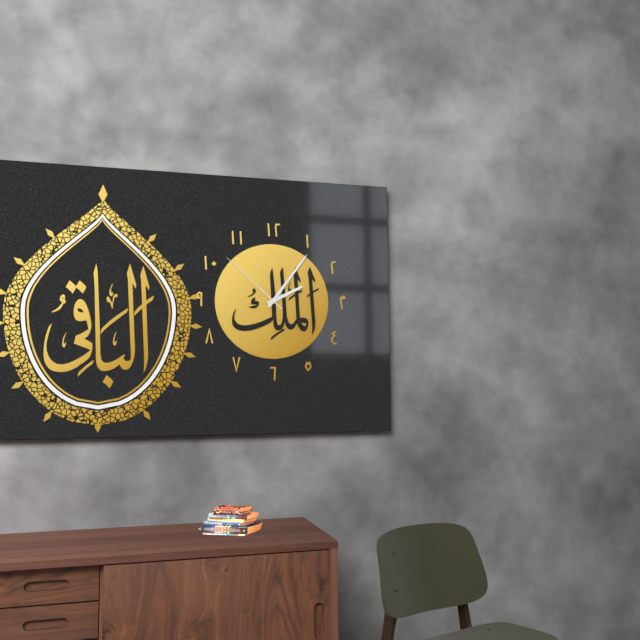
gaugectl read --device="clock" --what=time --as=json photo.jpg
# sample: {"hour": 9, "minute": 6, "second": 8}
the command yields {"hour": 2, "minute": 6, "second": 52}
